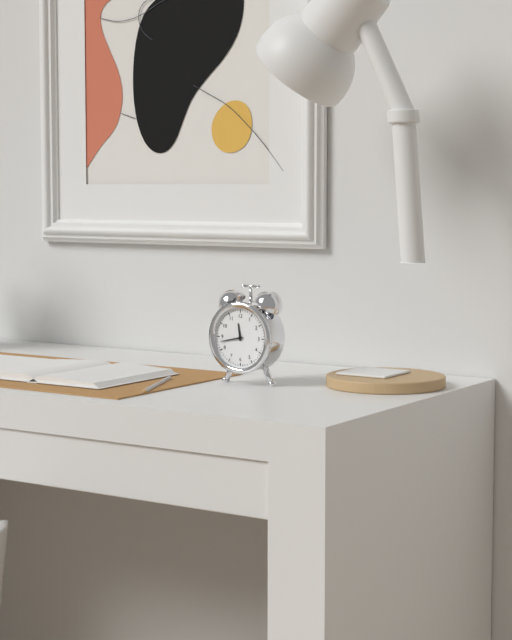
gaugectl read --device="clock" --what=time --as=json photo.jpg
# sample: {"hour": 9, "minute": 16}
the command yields {"hour": 11, "minute": 43}
